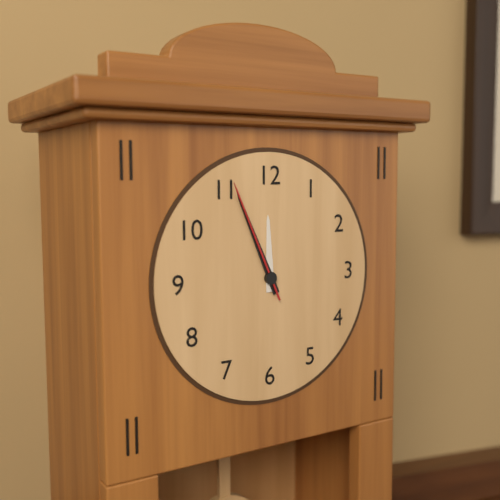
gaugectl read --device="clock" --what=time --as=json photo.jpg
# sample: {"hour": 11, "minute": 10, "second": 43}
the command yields {"hour": 11, "minute": 56, "second": 56}
